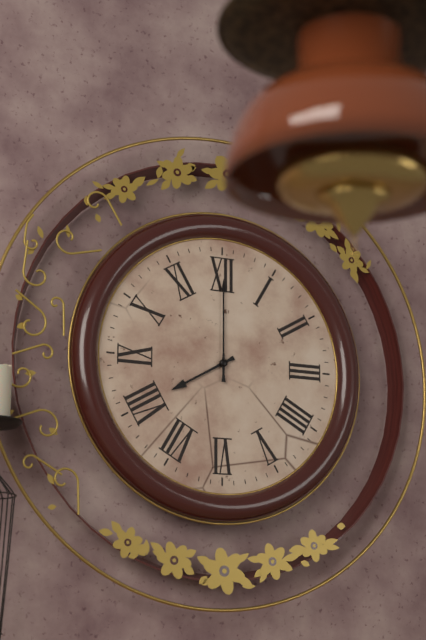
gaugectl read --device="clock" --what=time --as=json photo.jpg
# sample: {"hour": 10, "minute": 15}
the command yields {"hour": 8, "minute": 0}
